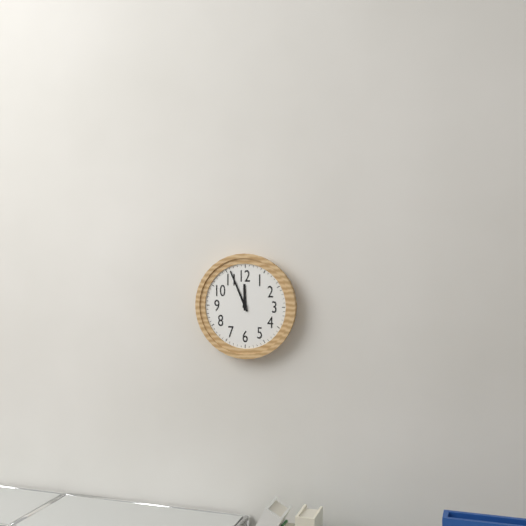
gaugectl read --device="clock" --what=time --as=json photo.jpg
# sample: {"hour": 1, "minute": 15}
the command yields {"hour": 11, "minute": 56}
